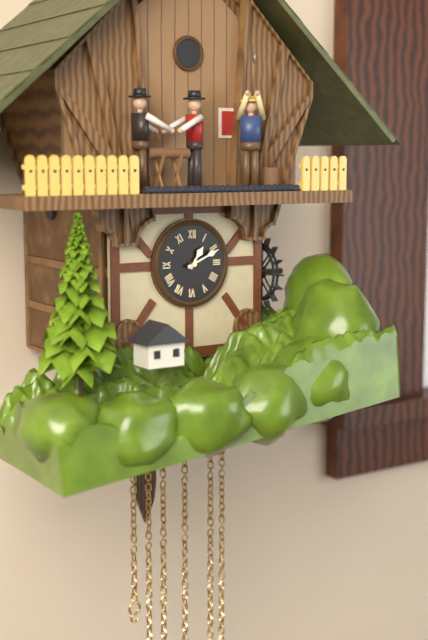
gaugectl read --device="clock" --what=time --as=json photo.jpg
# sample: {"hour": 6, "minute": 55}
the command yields {"hour": 1, "minute": 11}
